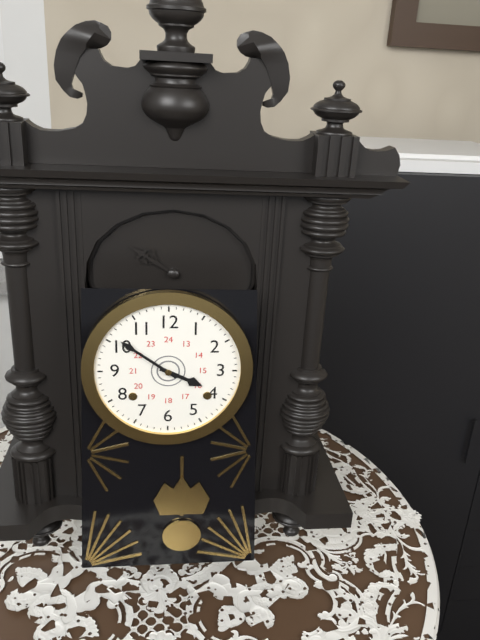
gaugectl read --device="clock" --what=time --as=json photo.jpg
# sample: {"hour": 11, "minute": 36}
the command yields {"hour": 3, "minute": 51}
